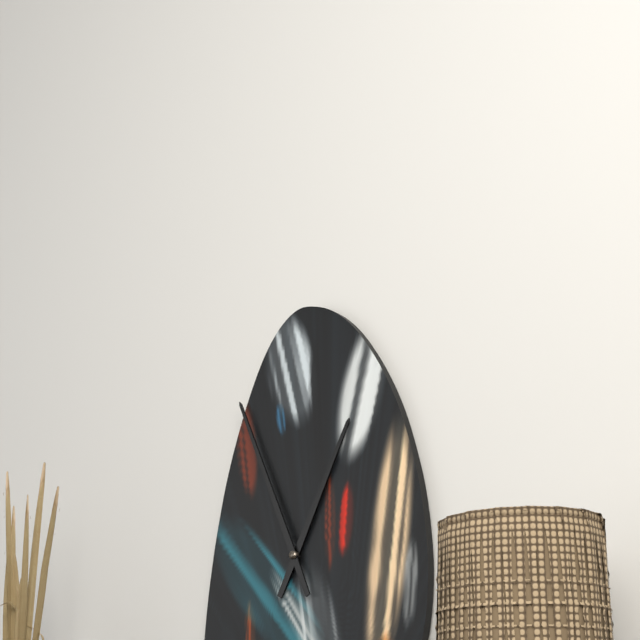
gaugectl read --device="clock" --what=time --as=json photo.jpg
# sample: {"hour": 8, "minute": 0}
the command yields {"hour": 12, "minute": 56}
